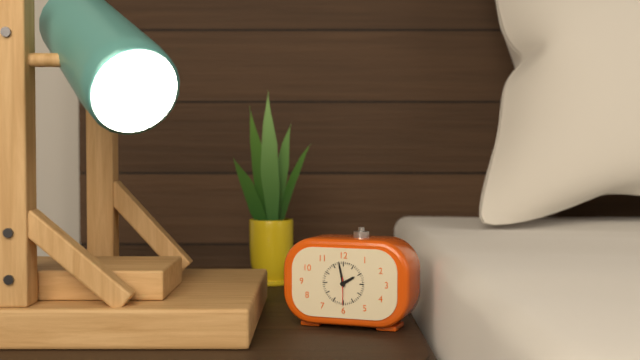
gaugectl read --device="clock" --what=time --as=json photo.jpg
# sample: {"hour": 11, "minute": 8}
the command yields {"hour": 1, "minute": 58}
